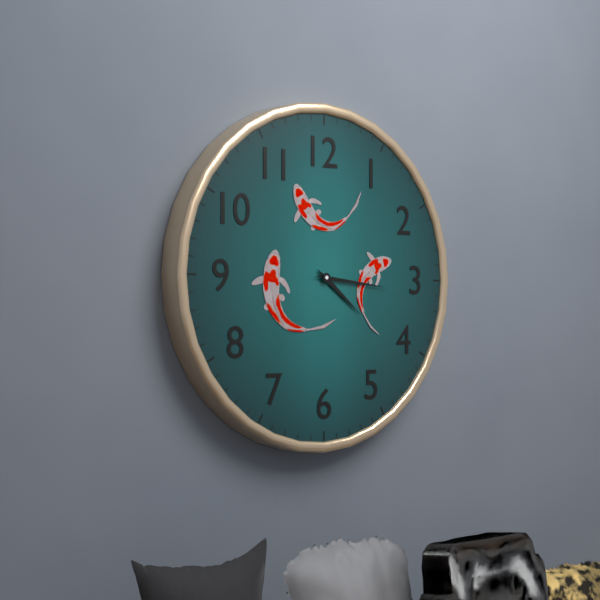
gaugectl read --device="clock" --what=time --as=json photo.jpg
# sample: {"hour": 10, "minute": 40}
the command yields {"hour": 4, "minute": 16}
